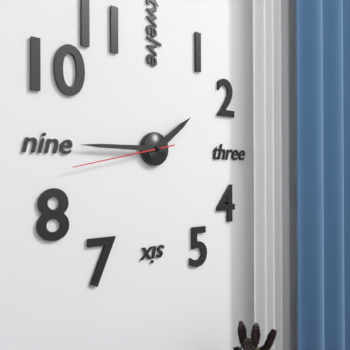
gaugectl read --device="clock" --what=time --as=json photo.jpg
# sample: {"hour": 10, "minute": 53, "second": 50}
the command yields {"hour": 1, "minute": 45, "second": 43}
